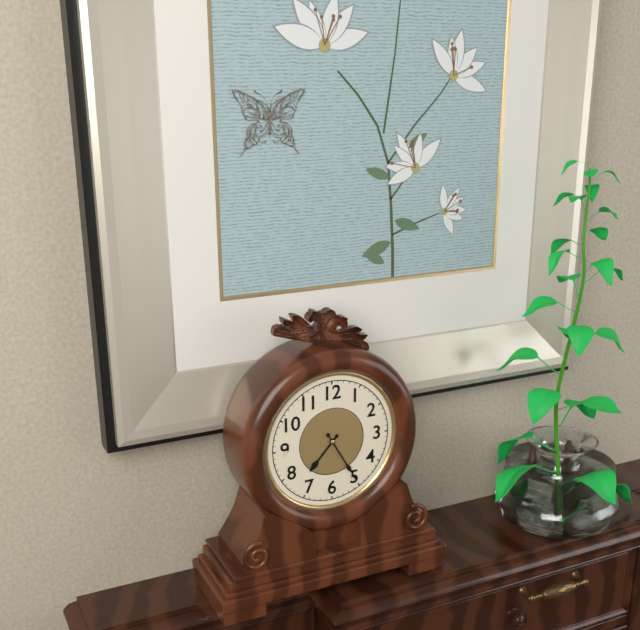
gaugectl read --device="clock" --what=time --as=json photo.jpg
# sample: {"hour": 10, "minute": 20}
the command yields {"hour": 7, "minute": 25}
